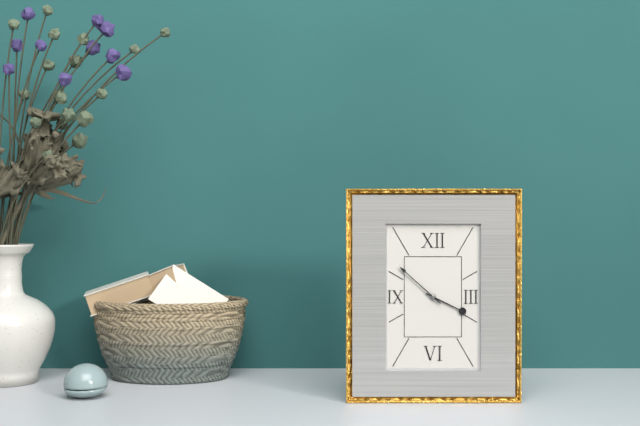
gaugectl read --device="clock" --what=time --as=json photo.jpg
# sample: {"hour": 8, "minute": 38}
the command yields {"hour": 3, "minute": 52}
